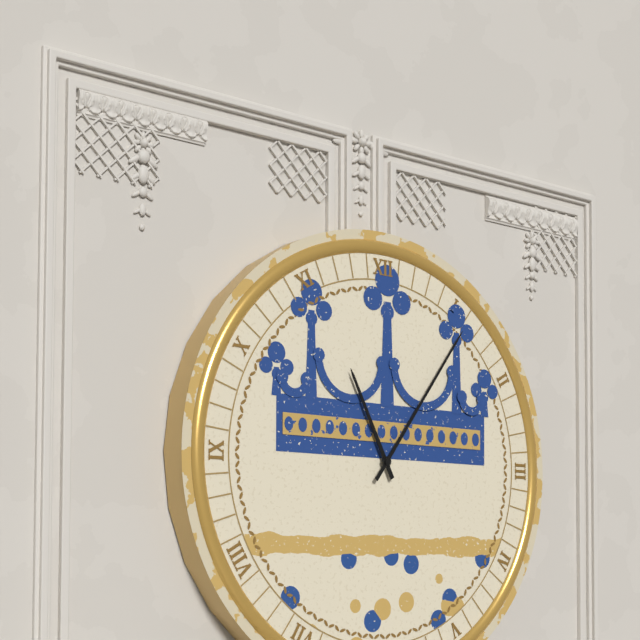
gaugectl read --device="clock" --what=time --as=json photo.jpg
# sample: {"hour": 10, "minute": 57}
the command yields {"hour": 11, "minute": 6}
